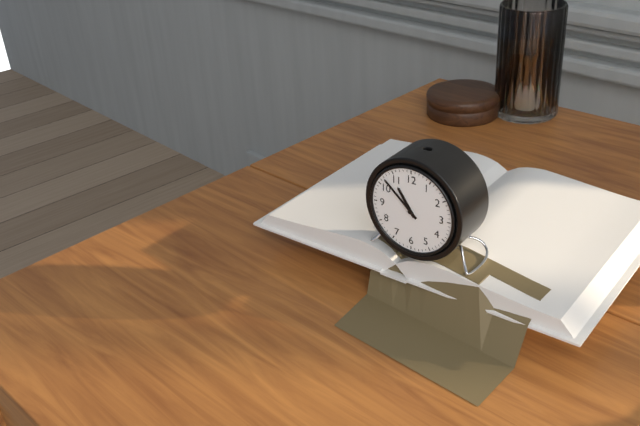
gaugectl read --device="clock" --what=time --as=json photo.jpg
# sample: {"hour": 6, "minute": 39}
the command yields {"hour": 10, "minute": 52}
